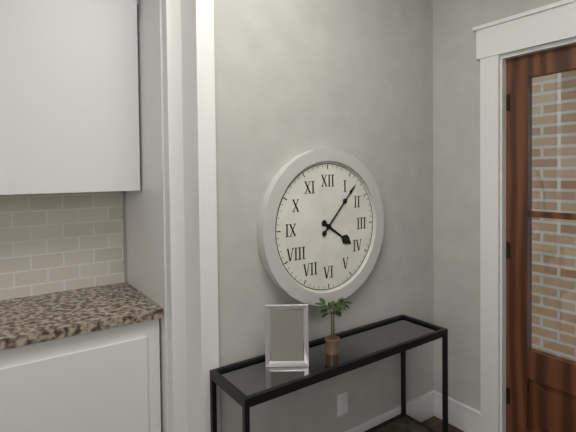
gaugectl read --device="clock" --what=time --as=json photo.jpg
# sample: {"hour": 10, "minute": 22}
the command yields {"hour": 4, "minute": 7}
